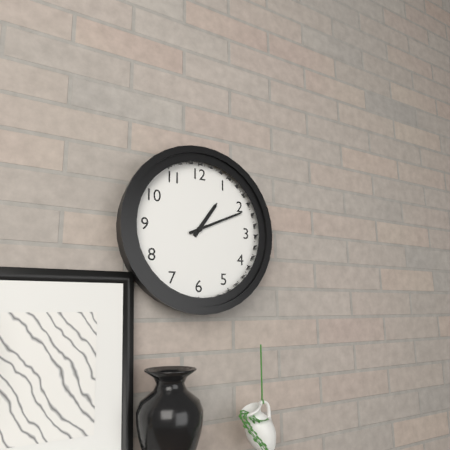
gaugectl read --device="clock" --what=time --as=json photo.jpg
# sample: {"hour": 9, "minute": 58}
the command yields {"hour": 1, "minute": 11}
